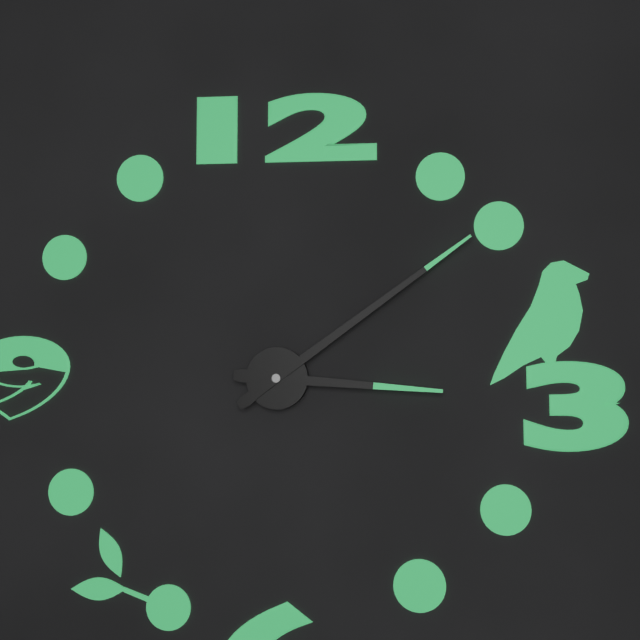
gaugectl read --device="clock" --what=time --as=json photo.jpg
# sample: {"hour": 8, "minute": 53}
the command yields {"hour": 3, "minute": 9}
